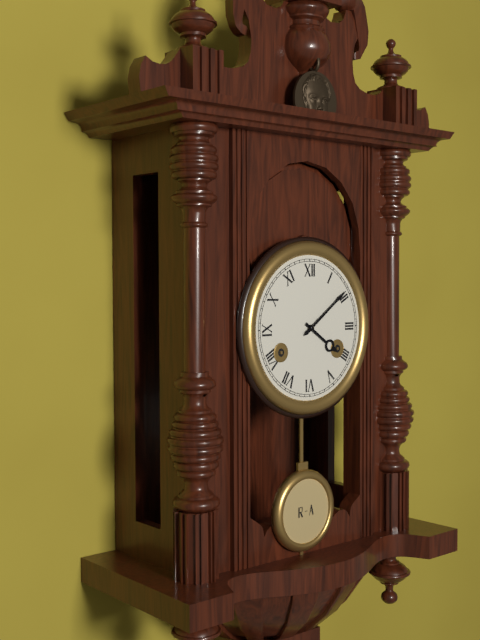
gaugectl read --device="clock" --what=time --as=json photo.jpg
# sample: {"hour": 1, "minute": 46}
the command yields {"hour": 4, "minute": 9}
